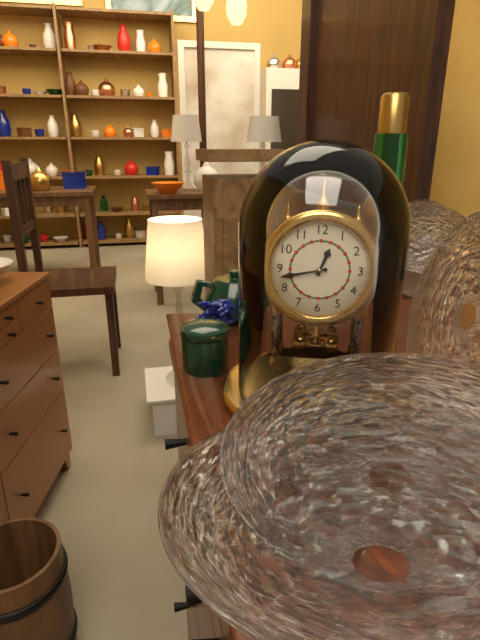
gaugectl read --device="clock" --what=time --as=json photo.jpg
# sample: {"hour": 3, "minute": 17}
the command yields {"hour": 12, "minute": 43}
